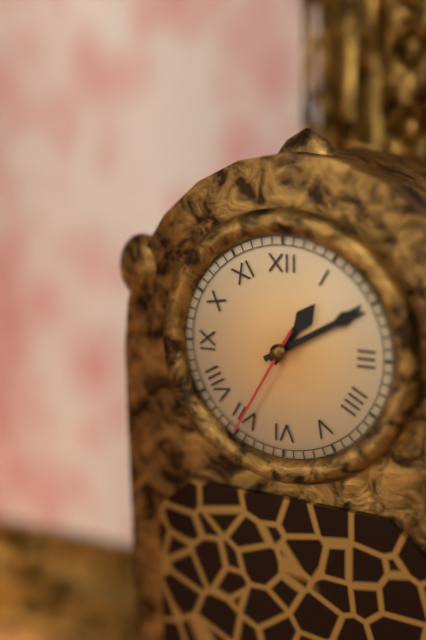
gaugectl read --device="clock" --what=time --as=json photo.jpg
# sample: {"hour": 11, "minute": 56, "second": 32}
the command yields {"hour": 1, "minute": 10, "second": 35}
